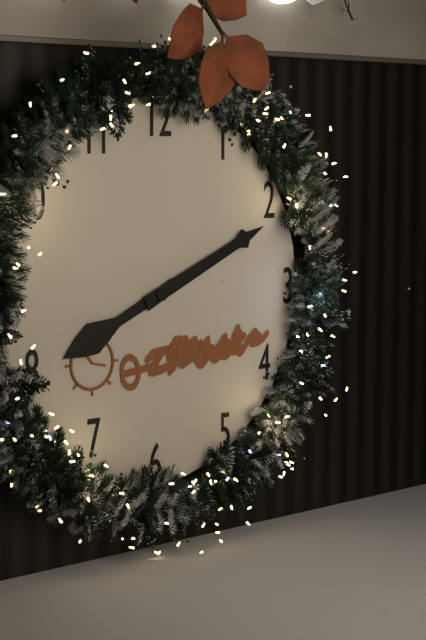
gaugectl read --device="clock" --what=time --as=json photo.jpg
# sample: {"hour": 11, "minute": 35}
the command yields {"hour": 8, "minute": 11}
